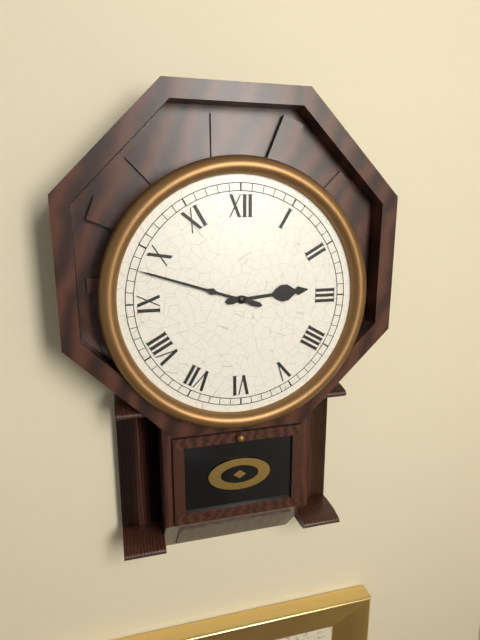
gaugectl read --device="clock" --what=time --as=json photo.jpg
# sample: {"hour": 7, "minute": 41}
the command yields {"hour": 2, "minute": 48}
